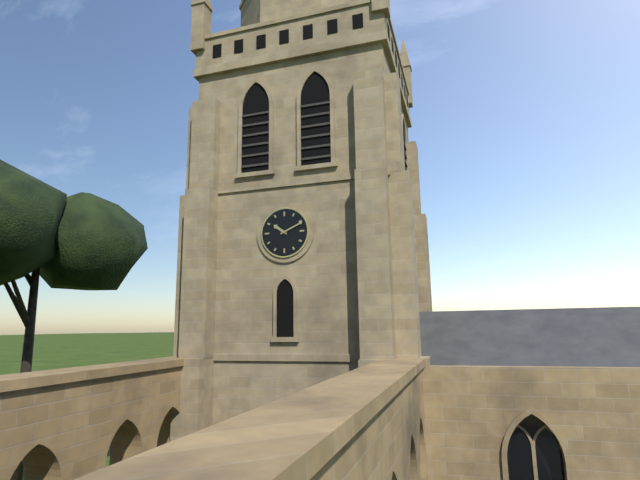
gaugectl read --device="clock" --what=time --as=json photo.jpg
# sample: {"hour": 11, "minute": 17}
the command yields {"hour": 10, "minute": 11}
